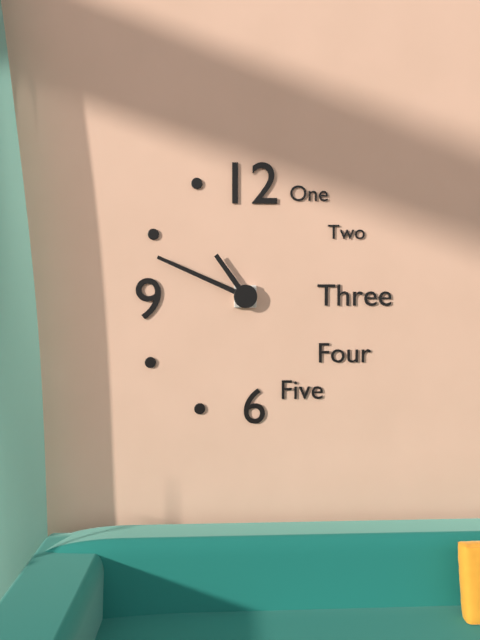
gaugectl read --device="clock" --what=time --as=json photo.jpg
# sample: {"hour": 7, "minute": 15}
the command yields {"hour": 10, "minute": 49}
